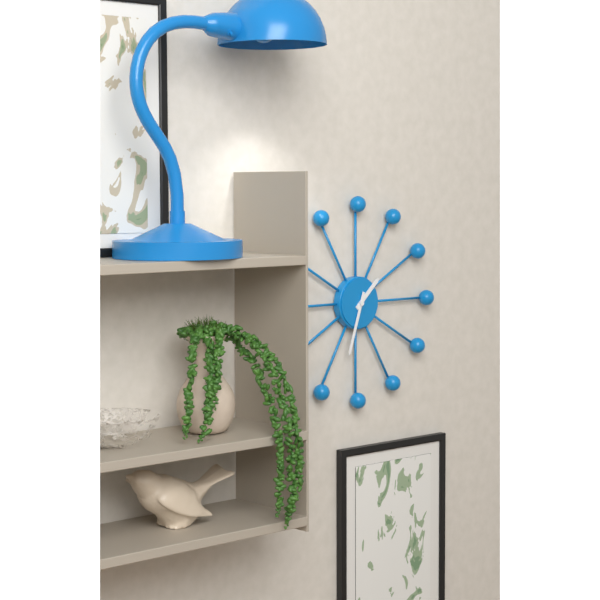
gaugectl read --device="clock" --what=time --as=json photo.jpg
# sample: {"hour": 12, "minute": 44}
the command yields {"hour": 1, "minute": 33}
